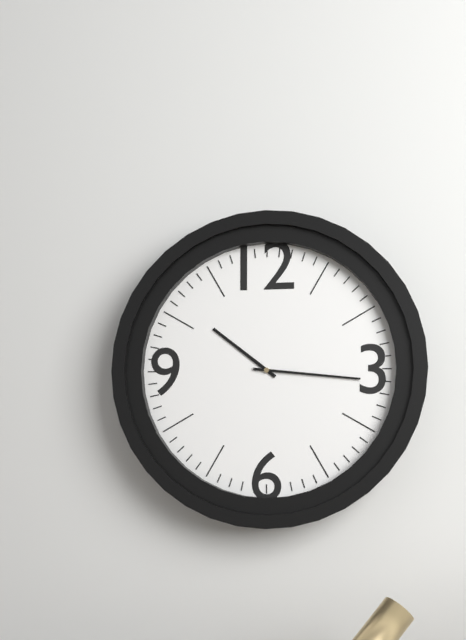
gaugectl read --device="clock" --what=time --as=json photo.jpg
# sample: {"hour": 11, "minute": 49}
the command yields {"hour": 10, "minute": 16}
